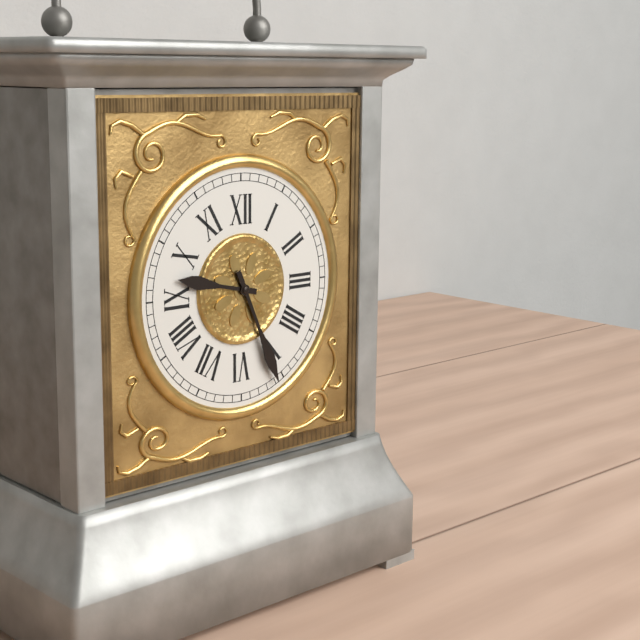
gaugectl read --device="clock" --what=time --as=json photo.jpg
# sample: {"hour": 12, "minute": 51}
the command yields {"hour": 9, "minute": 26}
